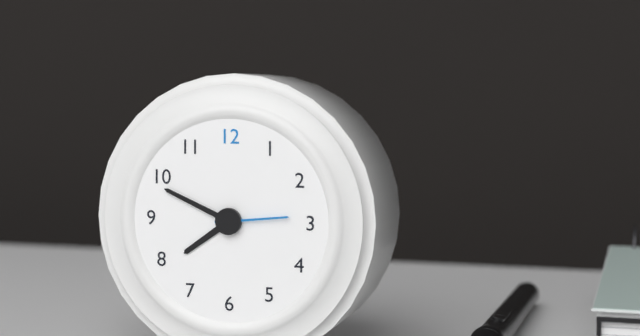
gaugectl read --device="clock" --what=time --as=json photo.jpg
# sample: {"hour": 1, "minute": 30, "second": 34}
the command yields {"hour": 7, "minute": 49, "second": 14}
